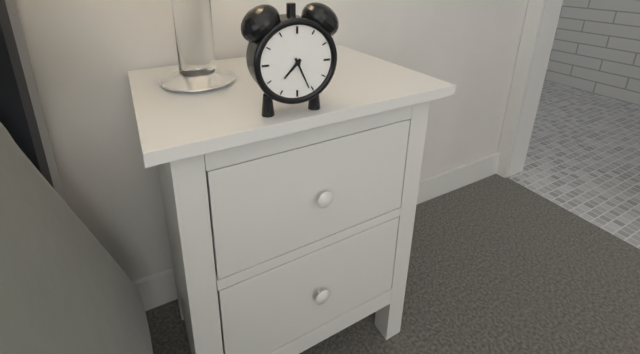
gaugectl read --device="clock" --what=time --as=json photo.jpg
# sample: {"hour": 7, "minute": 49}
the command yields {"hour": 7, "minute": 26}
